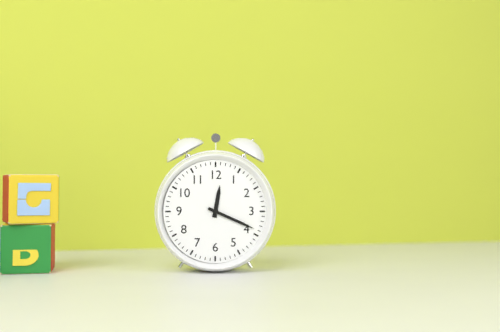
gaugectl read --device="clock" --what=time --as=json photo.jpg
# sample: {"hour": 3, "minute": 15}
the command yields {"hour": 12, "minute": 19}
